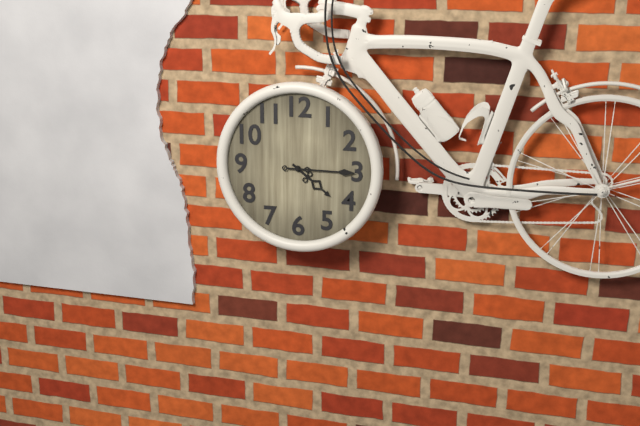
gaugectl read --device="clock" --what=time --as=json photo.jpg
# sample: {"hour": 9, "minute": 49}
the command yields {"hour": 4, "minute": 15}
